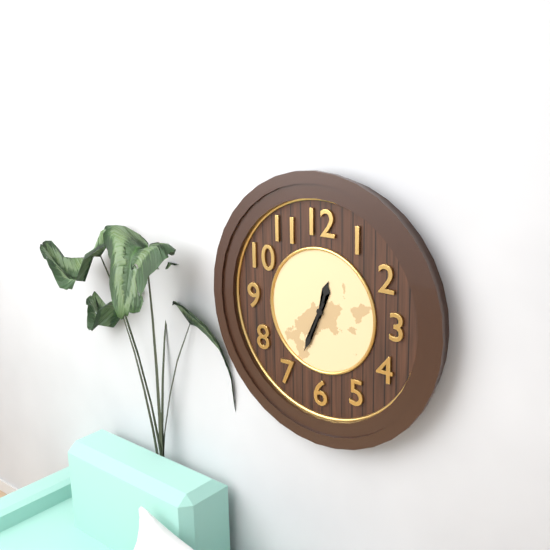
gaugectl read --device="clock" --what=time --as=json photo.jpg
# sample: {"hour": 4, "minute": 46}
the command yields {"hour": 12, "minute": 34}
